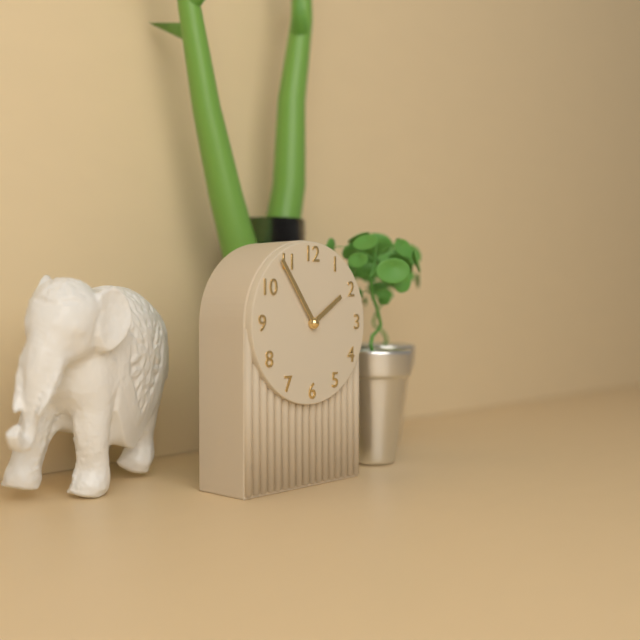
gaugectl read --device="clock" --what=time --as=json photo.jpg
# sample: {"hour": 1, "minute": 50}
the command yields {"hour": 1, "minute": 54}
